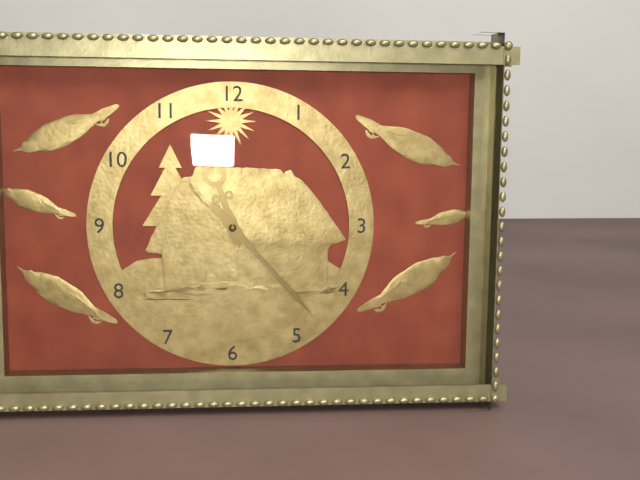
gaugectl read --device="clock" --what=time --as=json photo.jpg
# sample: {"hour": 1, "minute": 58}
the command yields {"hour": 11, "minute": 23}
